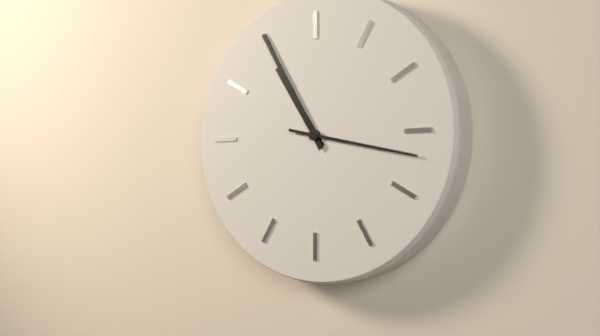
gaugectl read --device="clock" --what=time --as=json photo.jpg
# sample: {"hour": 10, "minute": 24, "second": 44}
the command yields {"hour": 10, "minute": 55, "second": 17}
